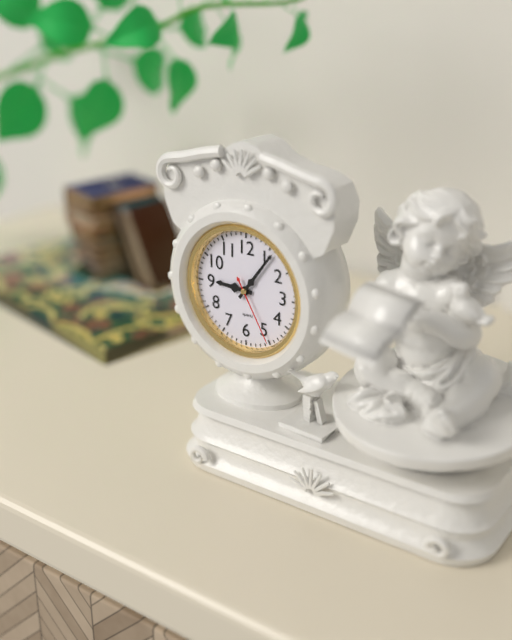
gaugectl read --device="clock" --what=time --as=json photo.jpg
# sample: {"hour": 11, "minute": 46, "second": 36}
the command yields {"hour": 9, "minute": 6, "second": 25}
